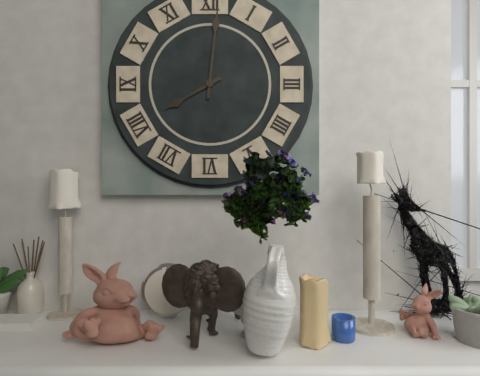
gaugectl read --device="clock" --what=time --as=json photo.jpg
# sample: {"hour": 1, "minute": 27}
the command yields {"hour": 8, "minute": 1}
